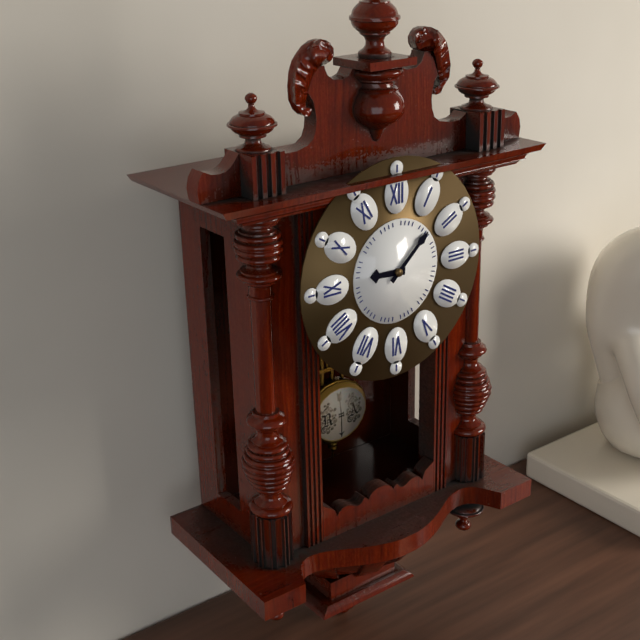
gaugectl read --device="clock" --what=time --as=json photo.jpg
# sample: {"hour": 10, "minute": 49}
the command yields {"hour": 9, "minute": 8}
